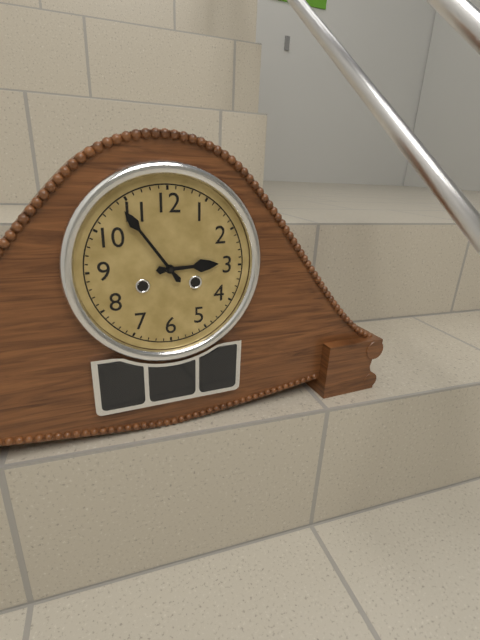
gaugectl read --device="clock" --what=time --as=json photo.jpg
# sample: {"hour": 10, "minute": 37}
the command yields {"hour": 2, "minute": 54}
